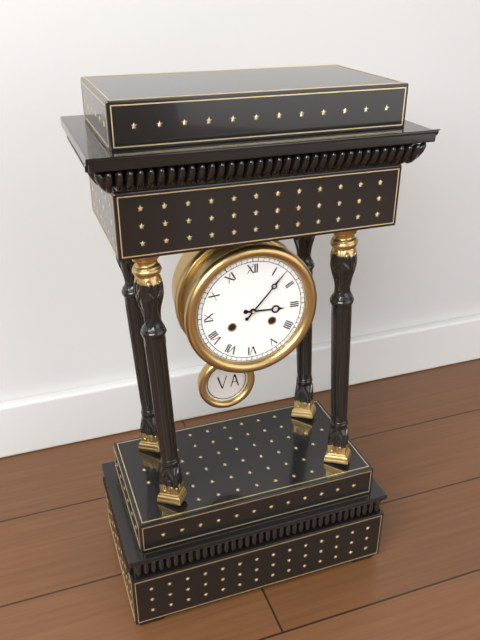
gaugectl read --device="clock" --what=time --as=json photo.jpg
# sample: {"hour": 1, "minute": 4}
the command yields {"hour": 3, "minute": 7}
